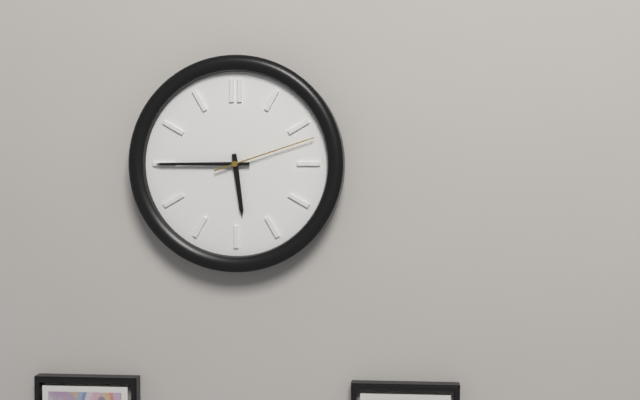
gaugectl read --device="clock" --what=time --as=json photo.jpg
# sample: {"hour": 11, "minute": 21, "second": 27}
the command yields {"hour": 5, "minute": 45, "second": 12}
